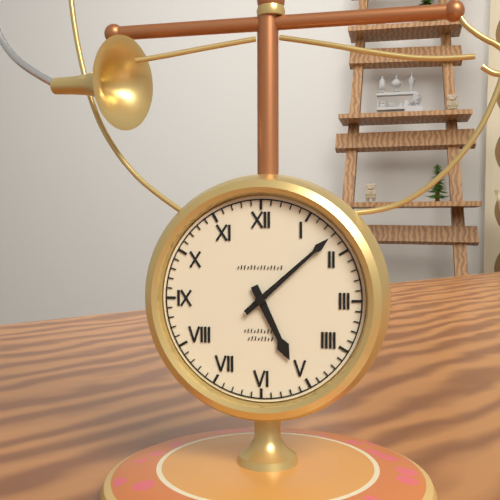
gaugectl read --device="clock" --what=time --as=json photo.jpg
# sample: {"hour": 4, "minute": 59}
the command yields {"hour": 5, "minute": 8}
